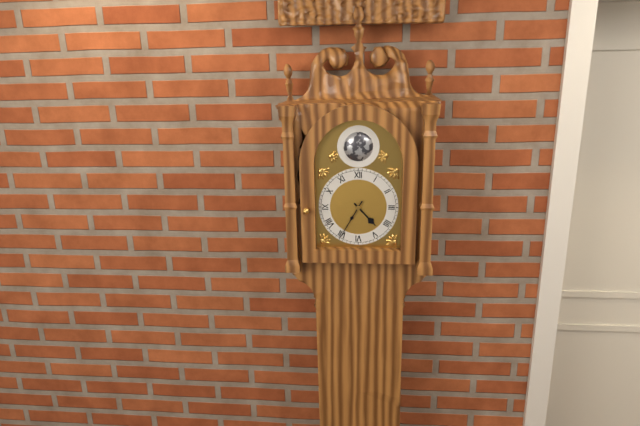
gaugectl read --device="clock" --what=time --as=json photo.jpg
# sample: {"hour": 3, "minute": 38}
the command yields {"hour": 4, "minute": 35}
